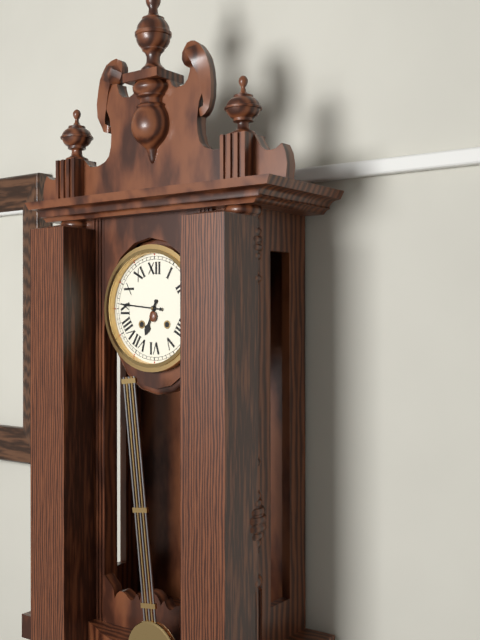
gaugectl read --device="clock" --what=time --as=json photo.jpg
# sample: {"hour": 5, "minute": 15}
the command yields {"hour": 6, "minute": 46}
